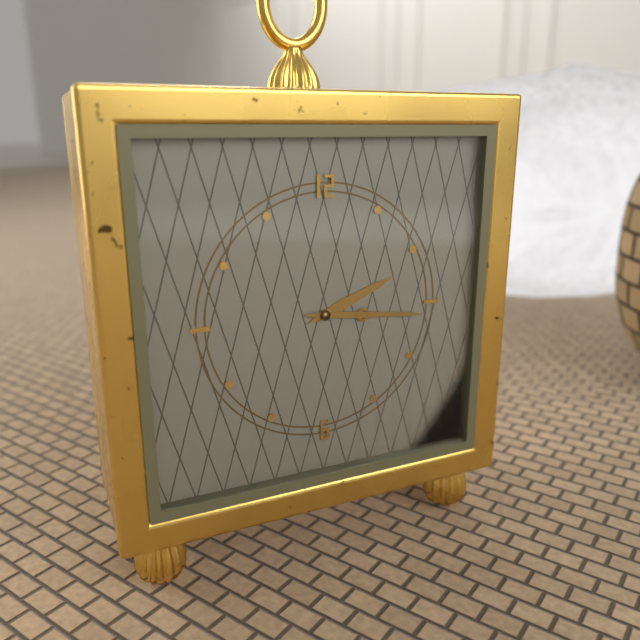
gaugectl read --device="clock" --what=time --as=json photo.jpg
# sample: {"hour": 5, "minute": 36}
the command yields {"hour": 2, "minute": 16}
